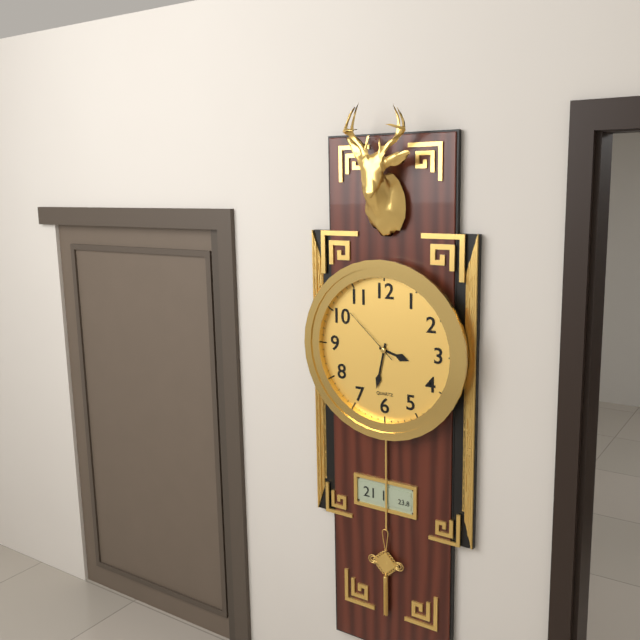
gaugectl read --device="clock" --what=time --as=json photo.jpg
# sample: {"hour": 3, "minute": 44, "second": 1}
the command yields {"hour": 3, "minute": 32, "second": 52}
